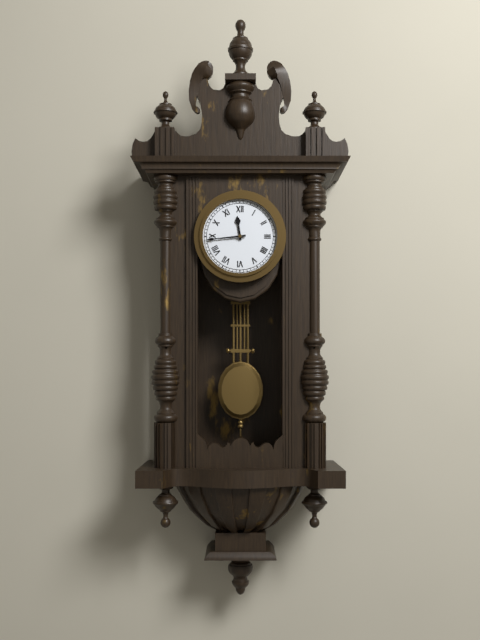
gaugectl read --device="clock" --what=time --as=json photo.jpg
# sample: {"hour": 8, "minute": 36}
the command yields {"hour": 11, "minute": 44}
